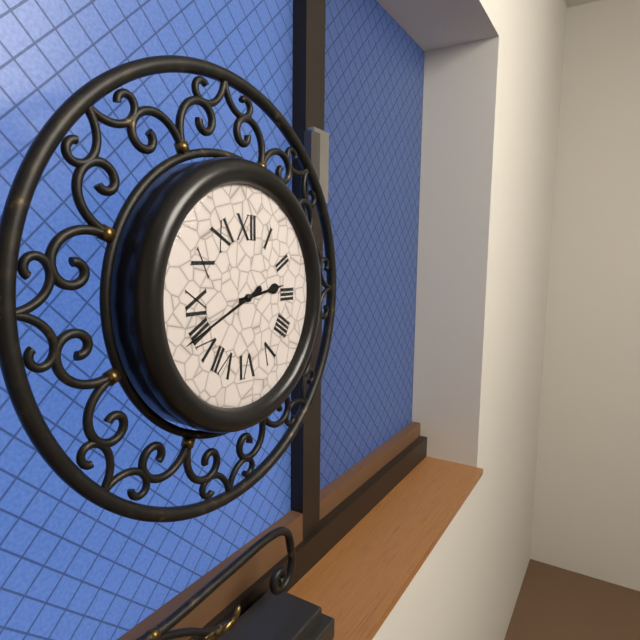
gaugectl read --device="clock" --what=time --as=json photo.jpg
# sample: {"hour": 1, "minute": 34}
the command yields {"hour": 2, "minute": 41}
